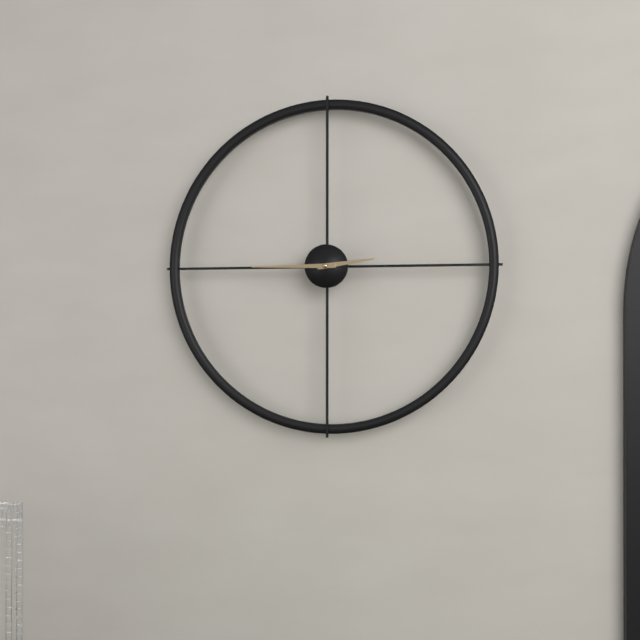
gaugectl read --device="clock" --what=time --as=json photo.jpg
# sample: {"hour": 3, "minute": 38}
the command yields {"hour": 2, "minute": 45}
